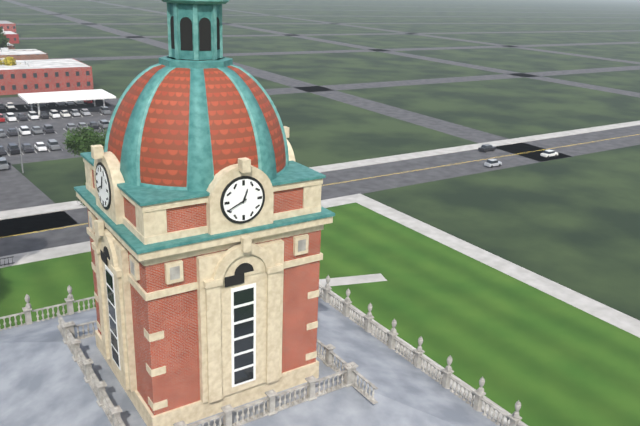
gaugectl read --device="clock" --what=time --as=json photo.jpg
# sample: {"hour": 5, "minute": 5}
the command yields {"hour": 12, "minute": 41}
